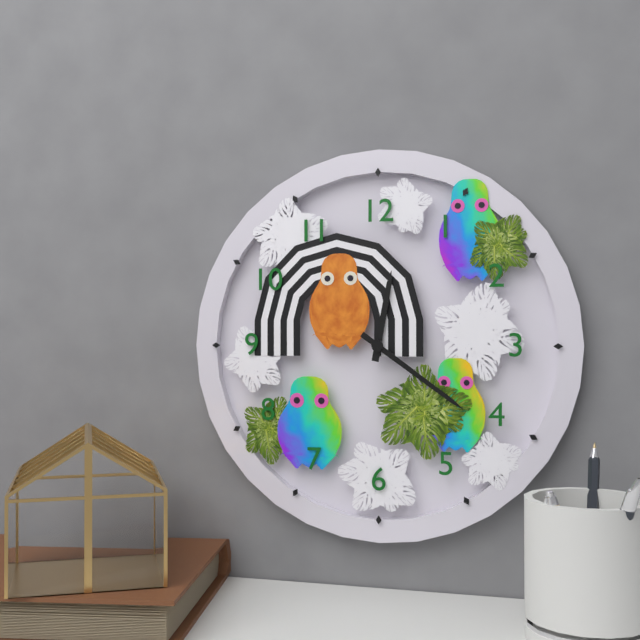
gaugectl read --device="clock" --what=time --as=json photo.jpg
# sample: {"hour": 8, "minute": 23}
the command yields {"hour": 12, "minute": 21}
